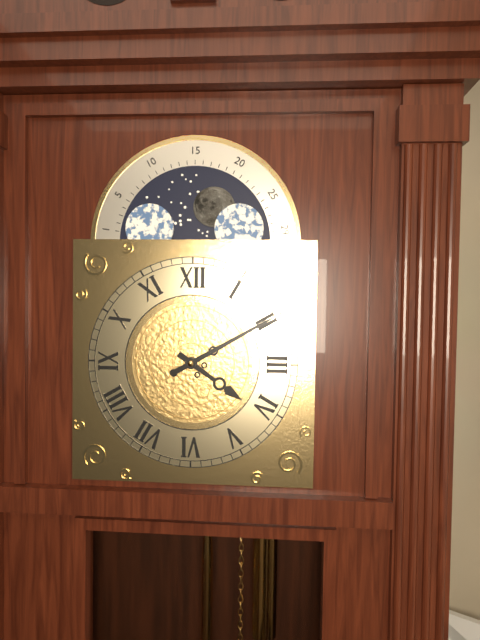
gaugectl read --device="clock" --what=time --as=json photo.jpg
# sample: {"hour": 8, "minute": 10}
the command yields {"hour": 4, "minute": 10}
